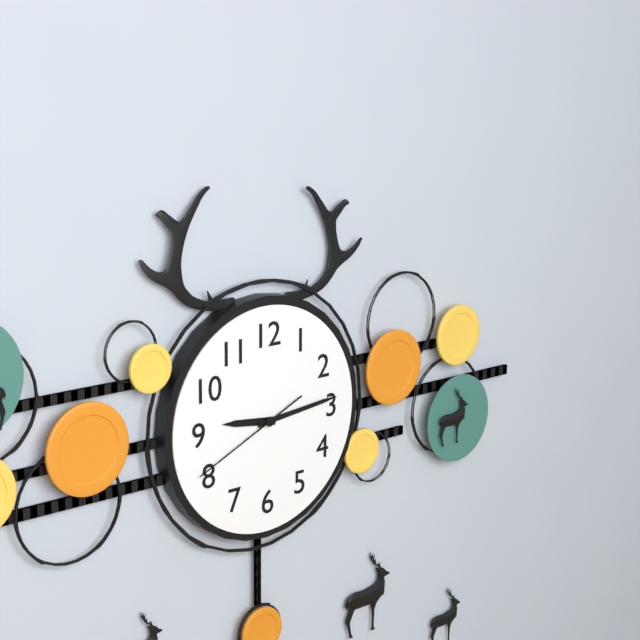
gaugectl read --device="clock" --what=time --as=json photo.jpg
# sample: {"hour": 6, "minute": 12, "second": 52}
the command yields {"hour": 9, "minute": 14, "second": 41}
